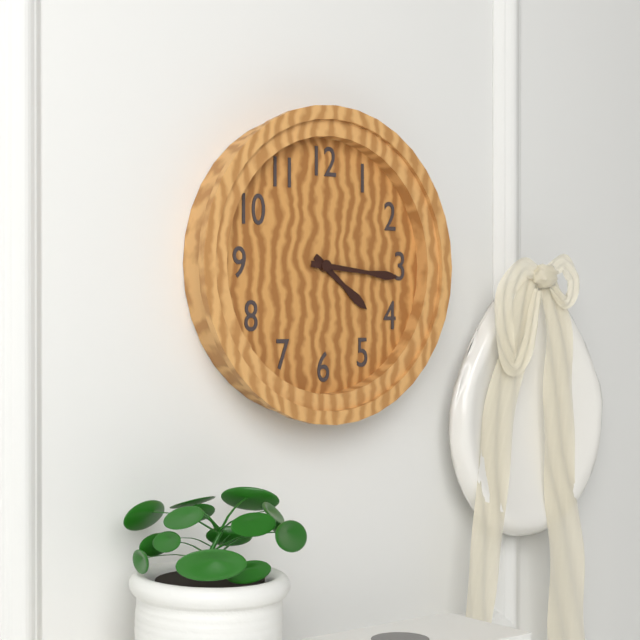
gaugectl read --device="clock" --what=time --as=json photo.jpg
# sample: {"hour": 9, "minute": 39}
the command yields {"hour": 4, "minute": 16}
